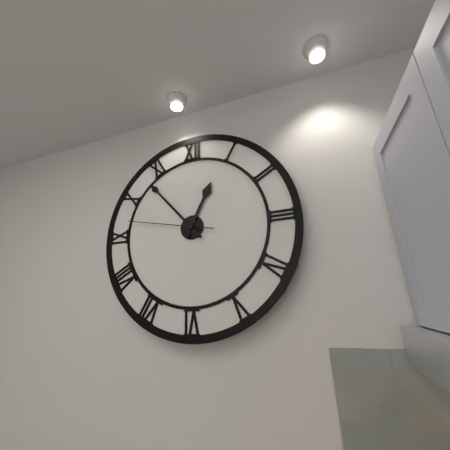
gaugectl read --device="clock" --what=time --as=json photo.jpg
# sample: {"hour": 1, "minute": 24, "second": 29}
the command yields {"hour": 12, "minute": 53, "second": 47}
